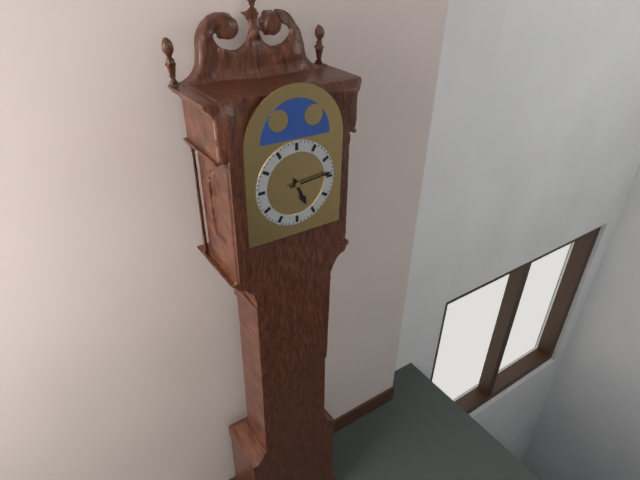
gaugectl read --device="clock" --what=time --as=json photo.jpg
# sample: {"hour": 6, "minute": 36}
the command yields {"hour": 5, "minute": 14}
